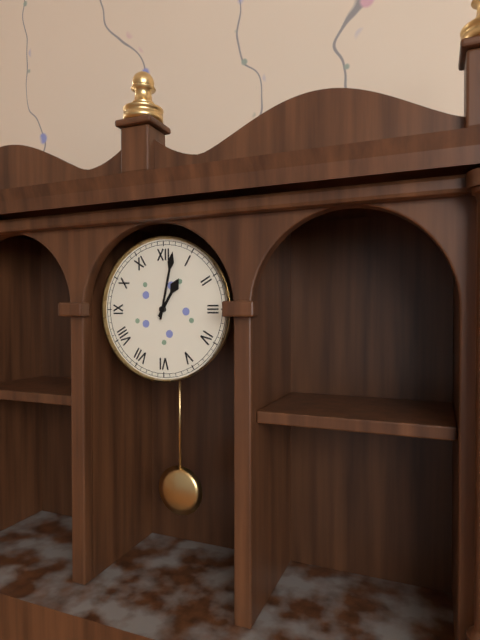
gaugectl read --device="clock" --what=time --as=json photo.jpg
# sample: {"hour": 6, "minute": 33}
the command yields {"hour": 1, "minute": 2}
